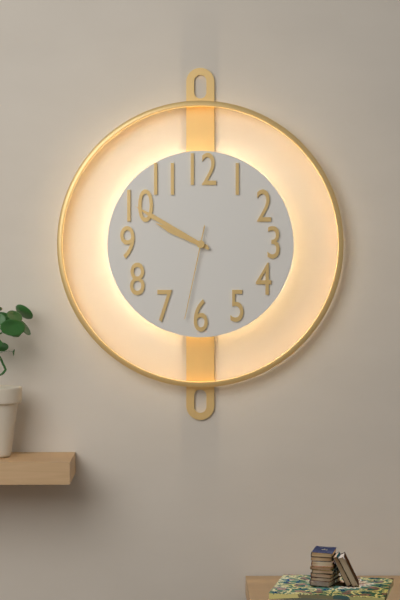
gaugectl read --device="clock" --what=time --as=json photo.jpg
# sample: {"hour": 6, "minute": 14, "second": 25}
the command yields {"hour": 9, "minute": 50, "second": 32}
